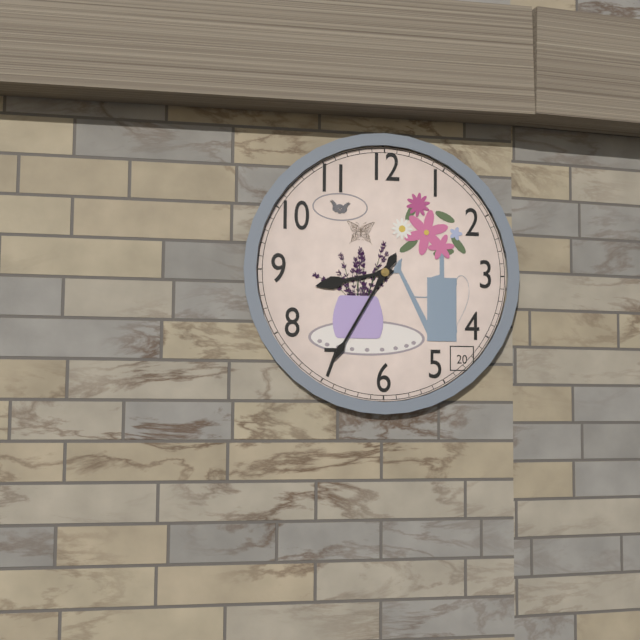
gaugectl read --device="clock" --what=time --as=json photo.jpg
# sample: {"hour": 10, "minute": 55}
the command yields {"hour": 8, "minute": 35}
